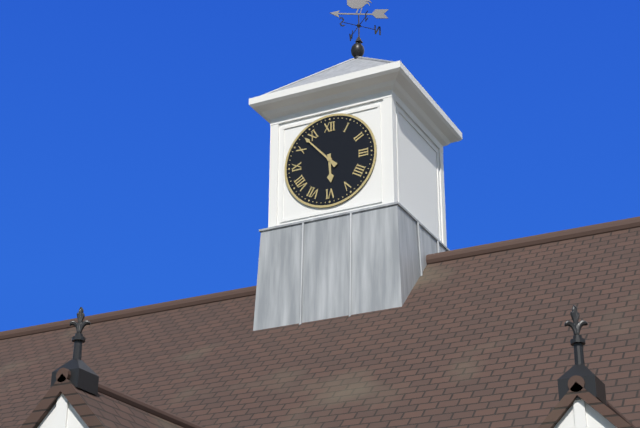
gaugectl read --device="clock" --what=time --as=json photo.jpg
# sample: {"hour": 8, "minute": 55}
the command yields {"hour": 5, "minute": 53}
